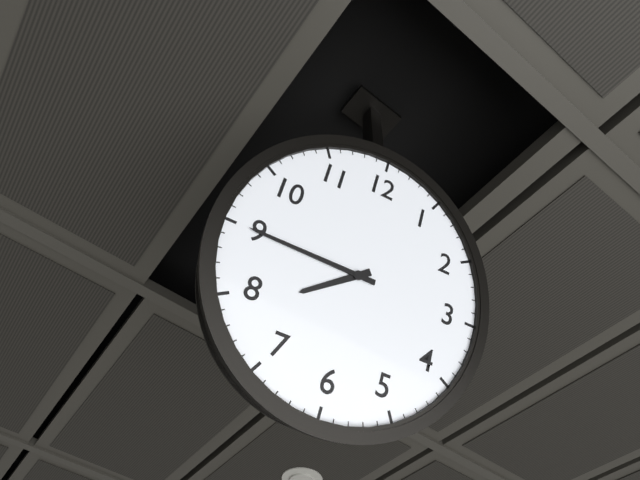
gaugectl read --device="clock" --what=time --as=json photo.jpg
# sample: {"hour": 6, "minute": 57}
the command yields {"hour": 7, "minute": 45}
